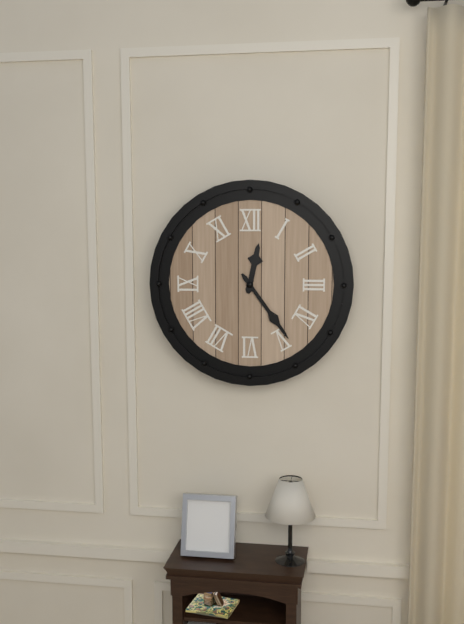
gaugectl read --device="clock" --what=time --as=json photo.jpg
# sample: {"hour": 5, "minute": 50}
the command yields {"hour": 12, "minute": 24}
